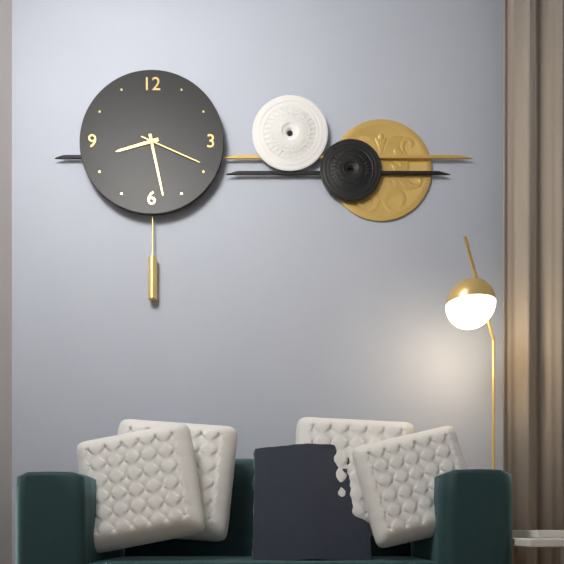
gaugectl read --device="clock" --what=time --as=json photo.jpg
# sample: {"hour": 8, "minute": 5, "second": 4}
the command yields {"hour": 8, "minute": 28, "second": 19}
